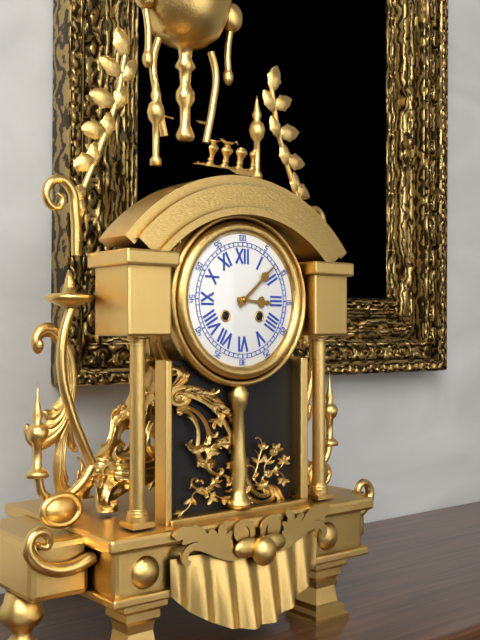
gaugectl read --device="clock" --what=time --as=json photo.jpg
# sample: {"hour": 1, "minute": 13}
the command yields {"hour": 3, "minute": 8}
